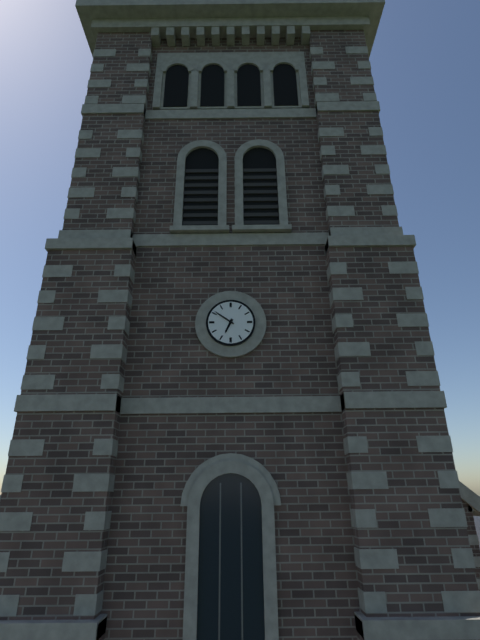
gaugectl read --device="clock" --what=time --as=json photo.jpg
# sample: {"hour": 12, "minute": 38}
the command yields {"hour": 6, "minute": 51}
